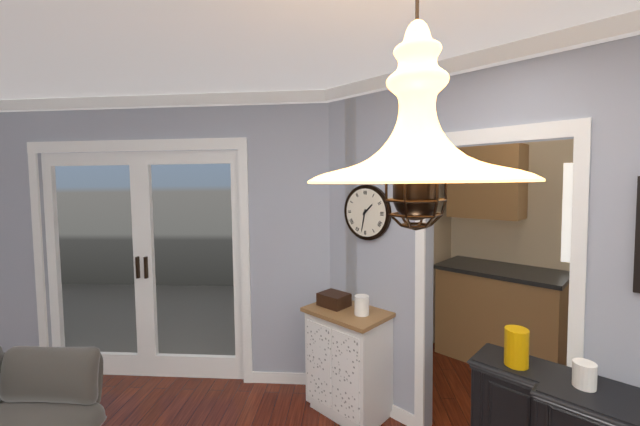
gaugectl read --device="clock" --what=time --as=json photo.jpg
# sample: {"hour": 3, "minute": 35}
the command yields {"hour": 1, "minute": 32}
